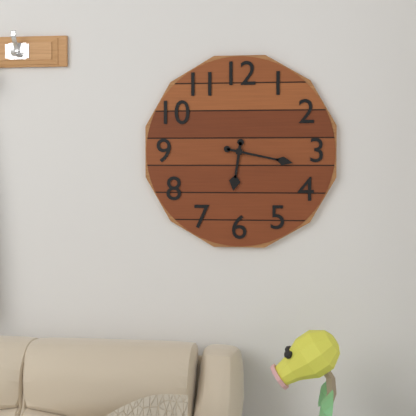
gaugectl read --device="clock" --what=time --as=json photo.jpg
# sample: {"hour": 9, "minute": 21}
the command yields {"hour": 6, "minute": 17}
